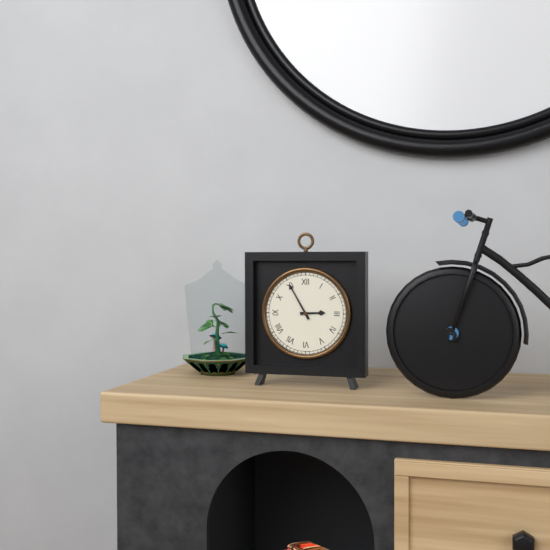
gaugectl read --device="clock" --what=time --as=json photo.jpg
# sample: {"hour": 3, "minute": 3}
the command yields {"hour": 2, "minute": 55}
